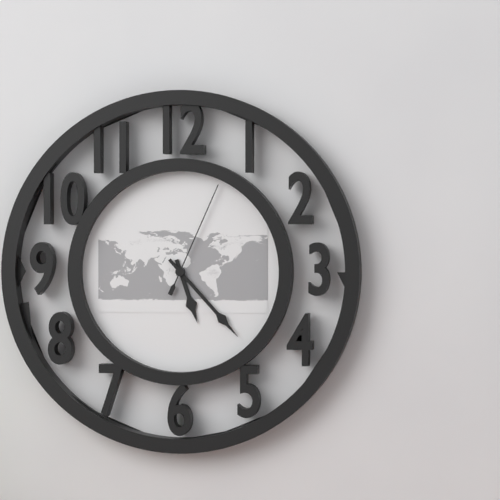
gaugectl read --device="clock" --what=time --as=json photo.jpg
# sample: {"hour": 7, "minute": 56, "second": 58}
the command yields {"hour": 5, "minute": 23, "second": 4}
